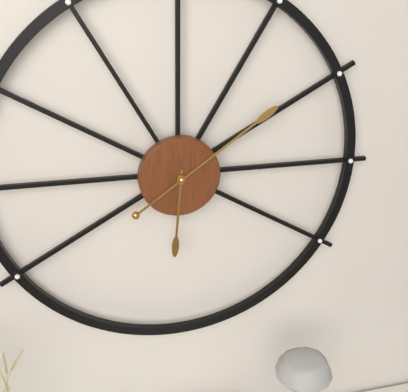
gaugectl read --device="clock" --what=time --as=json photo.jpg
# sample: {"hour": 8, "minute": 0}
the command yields {"hour": 6, "minute": 9}
